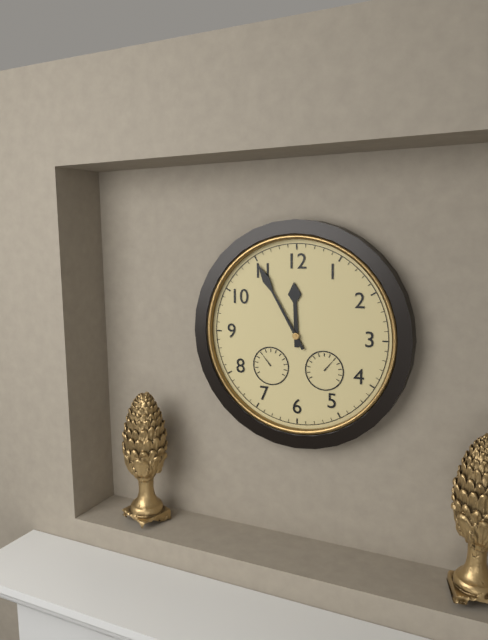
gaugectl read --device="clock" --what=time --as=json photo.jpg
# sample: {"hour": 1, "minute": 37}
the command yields {"hour": 11, "minute": 55}
